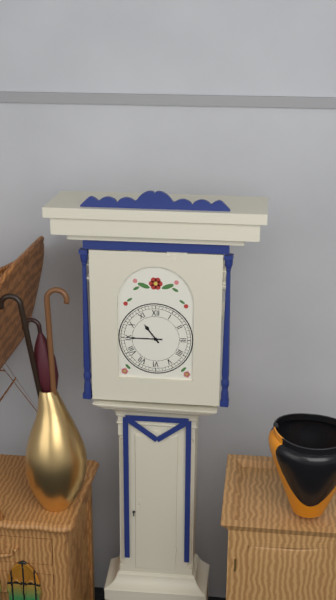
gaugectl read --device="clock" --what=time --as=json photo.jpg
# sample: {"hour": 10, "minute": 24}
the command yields {"hour": 10, "minute": 45}
